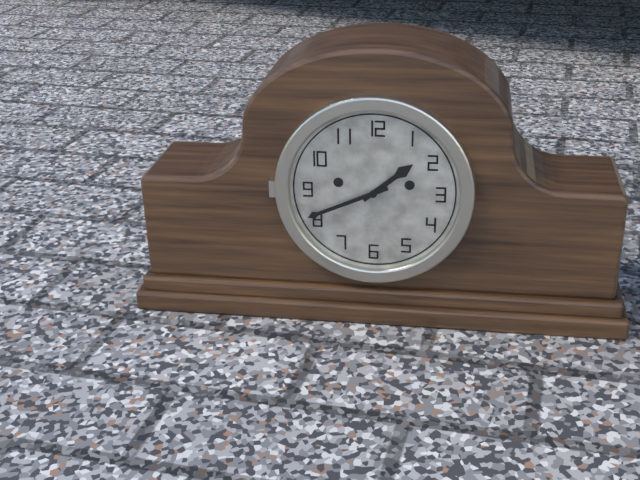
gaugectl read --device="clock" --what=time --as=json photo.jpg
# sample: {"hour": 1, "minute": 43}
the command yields {"hour": 1, "minute": 41}
